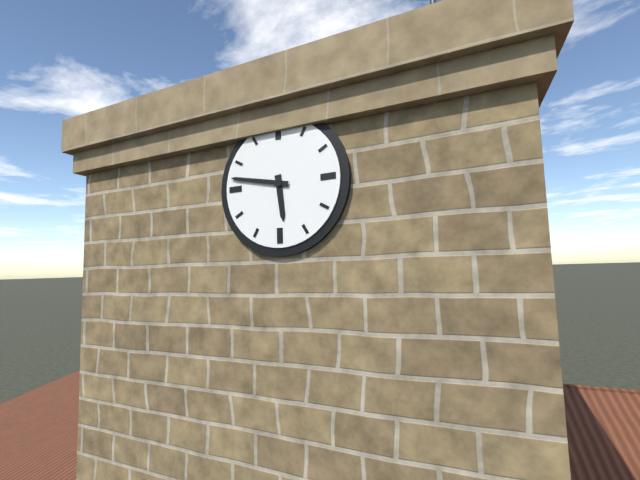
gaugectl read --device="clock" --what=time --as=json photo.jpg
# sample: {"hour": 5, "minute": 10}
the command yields {"hour": 5, "minute": 47}
